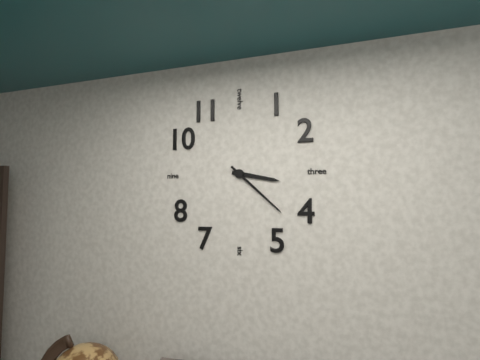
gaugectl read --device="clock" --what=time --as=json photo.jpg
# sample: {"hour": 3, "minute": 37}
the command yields {"hour": 3, "minute": 22}
